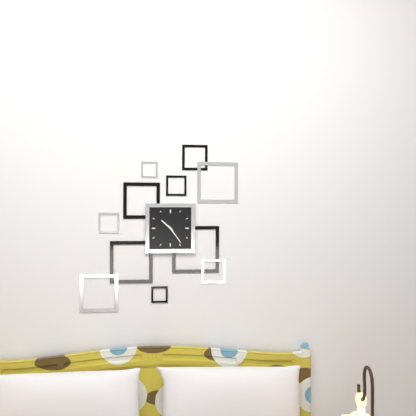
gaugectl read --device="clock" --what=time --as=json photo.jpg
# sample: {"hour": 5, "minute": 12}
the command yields {"hour": 10, "minute": 24}
